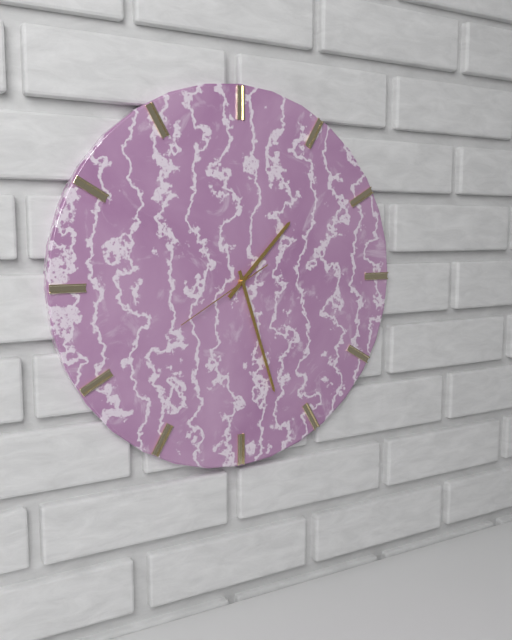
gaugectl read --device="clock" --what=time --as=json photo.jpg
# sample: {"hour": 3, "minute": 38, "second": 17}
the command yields {"hour": 1, "minute": 27, "second": 40}
